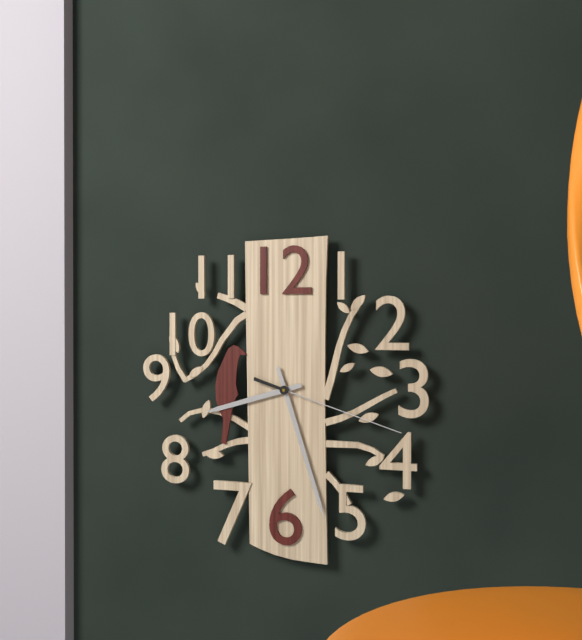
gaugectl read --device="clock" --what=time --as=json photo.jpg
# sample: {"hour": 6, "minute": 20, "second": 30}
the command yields {"hour": 8, "minute": 27, "second": 18}
